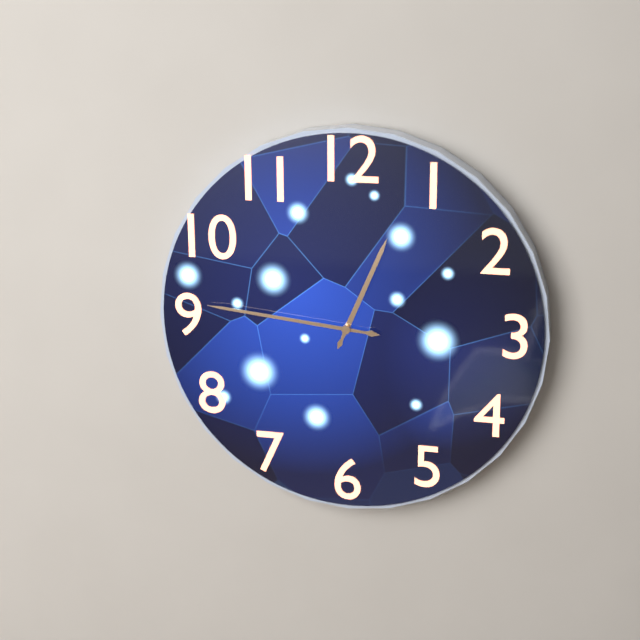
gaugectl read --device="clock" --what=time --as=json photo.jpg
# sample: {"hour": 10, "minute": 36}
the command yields {"hour": 12, "minute": 46}
